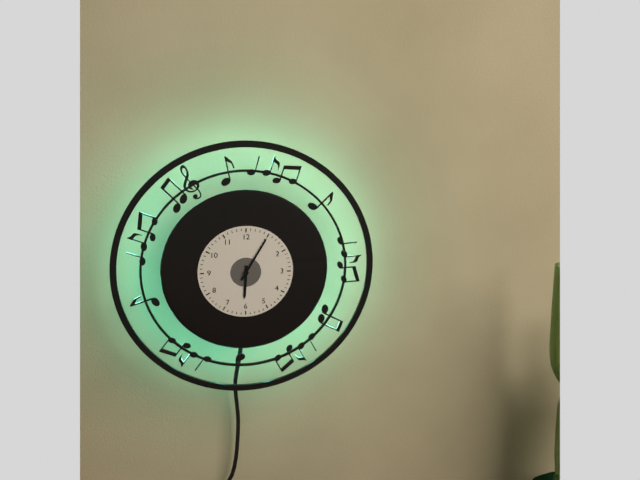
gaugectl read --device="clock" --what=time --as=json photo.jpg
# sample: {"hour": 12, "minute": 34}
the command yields {"hour": 6, "minute": 5}
